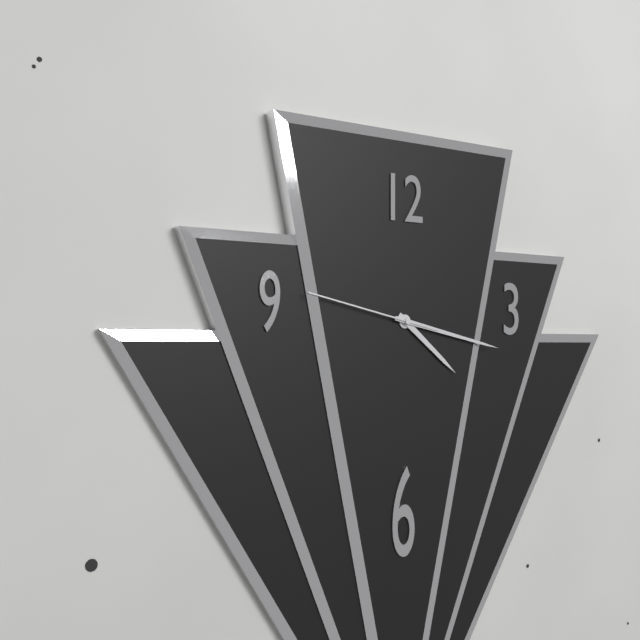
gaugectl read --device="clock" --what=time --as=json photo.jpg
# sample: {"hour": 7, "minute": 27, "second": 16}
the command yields {"hour": 4, "minute": 17, "second": 47}
